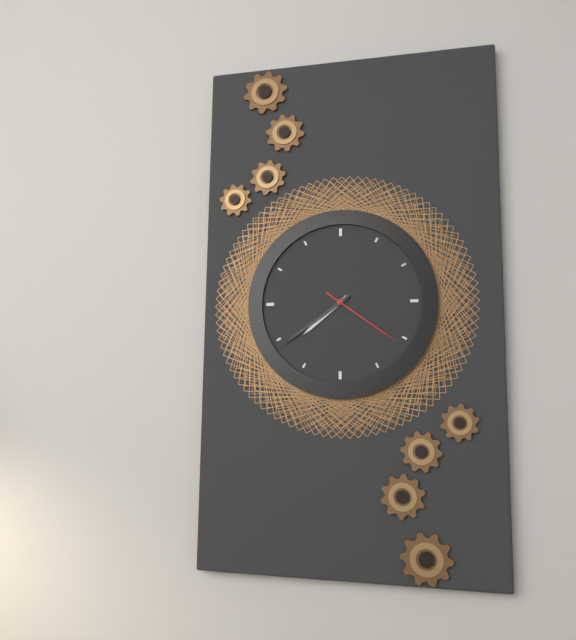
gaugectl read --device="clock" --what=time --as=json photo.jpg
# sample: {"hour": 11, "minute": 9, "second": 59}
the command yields {"hour": 7, "minute": 39, "second": 21}
